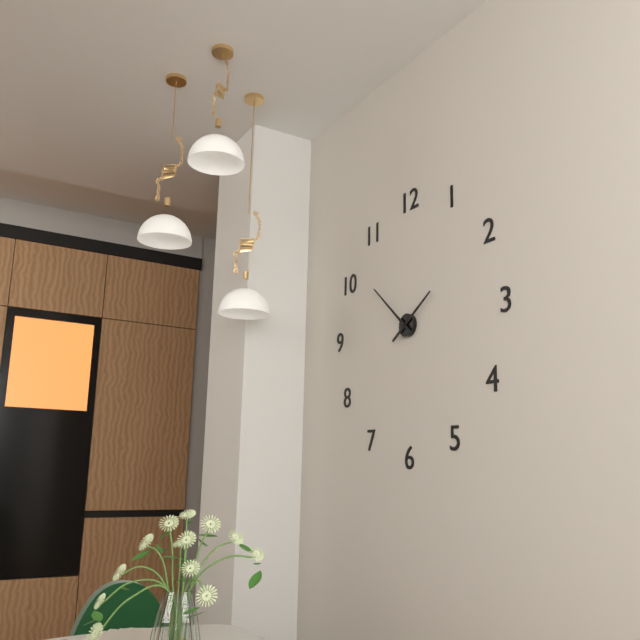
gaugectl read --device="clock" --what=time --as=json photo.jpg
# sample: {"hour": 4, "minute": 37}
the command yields {"hour": 1, "minute": 52}
